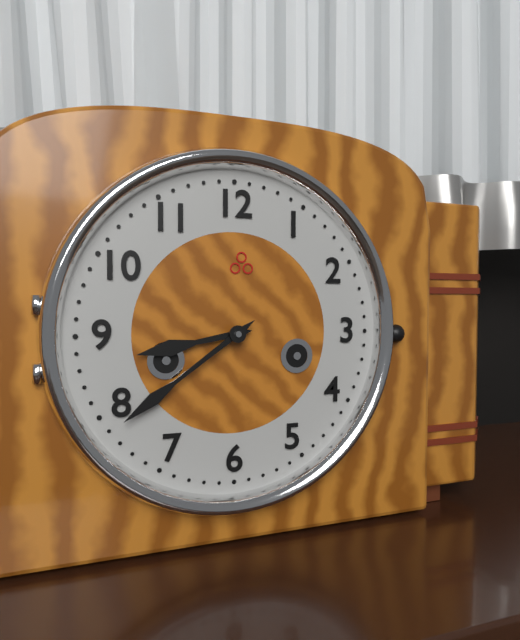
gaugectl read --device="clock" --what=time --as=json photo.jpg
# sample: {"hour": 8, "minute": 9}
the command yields {"hour": 8, "minute": 39}
